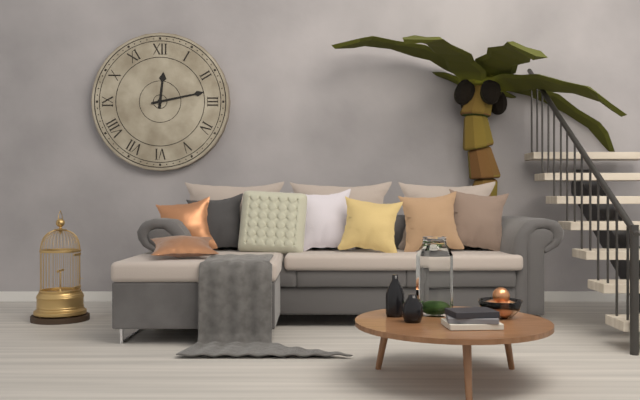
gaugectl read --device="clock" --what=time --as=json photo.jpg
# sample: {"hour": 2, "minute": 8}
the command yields {"hour": 12, "minute": 13}
